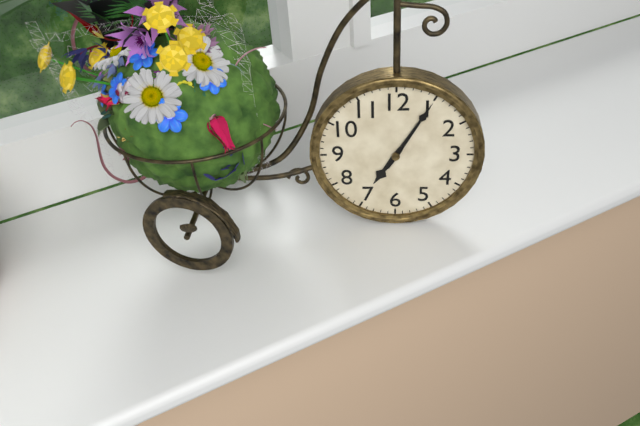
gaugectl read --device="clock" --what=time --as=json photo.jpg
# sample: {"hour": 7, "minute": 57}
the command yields {"hour": 7, "minute": 5}
